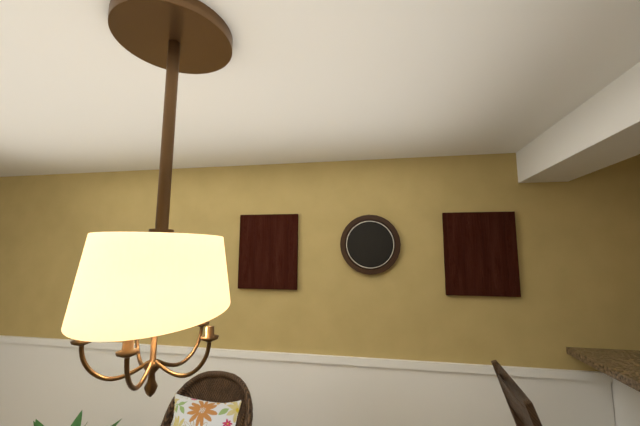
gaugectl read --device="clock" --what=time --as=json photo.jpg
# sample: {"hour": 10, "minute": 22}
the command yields {"hour": 7, "minute": 4}
